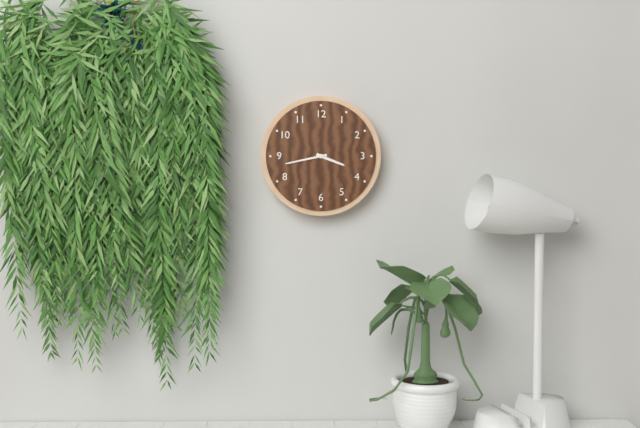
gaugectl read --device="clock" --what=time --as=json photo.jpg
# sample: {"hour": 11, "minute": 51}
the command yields {"hour": 3, "minute": 43}
